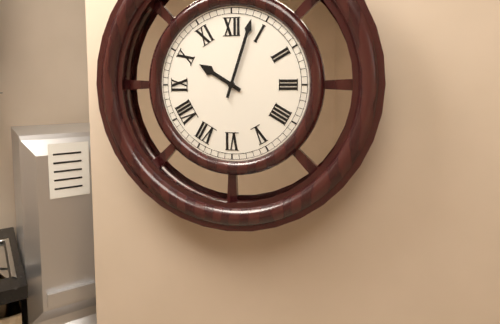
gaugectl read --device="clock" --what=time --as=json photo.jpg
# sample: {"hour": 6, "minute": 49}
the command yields {"hour": 10, "minute": 3}
